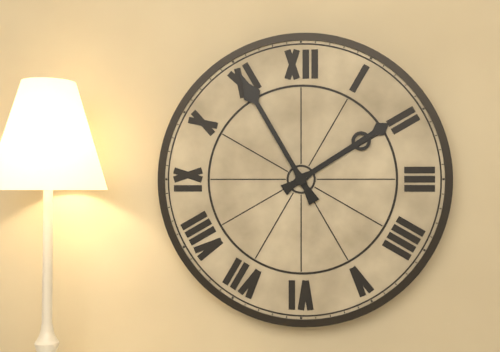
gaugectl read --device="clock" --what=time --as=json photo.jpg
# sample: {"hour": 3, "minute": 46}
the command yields {"hour": 1, "minute": 55}
